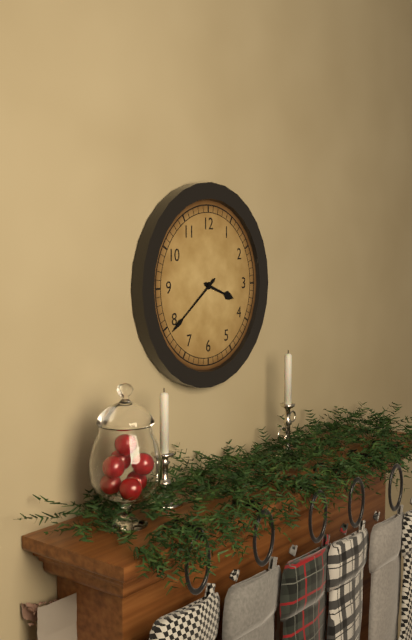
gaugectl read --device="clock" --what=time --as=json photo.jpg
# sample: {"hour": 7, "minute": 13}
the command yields {"hour": 3, "minute": 39}
